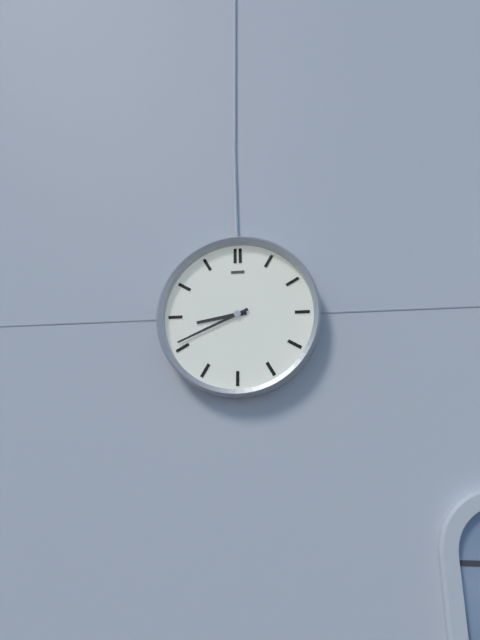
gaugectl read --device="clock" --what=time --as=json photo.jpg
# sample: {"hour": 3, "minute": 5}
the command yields {"hour": 8, "minute": 41}
